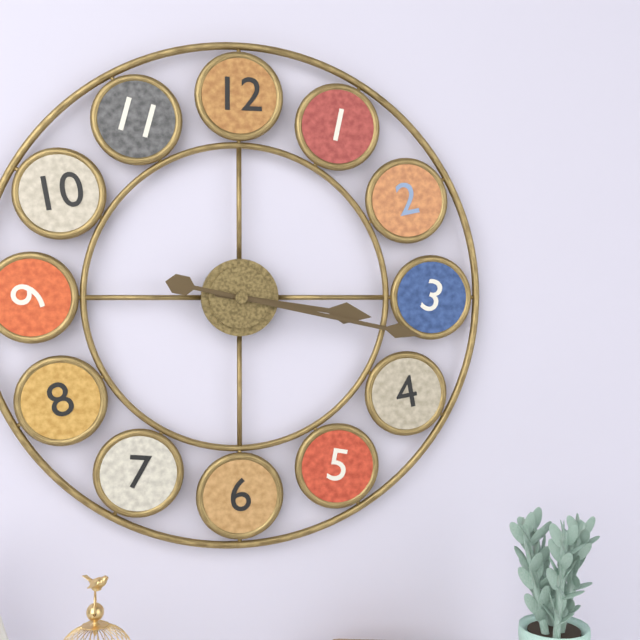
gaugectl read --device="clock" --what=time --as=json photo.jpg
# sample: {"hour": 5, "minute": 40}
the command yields {"hour": 3, "minute": 17}
